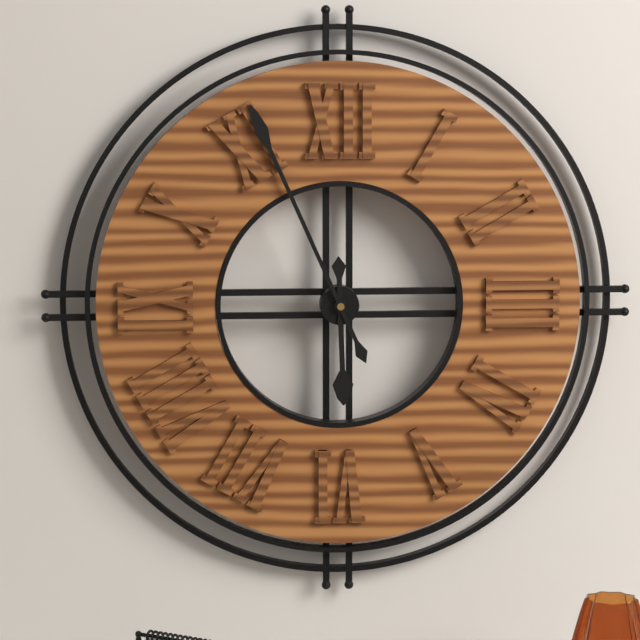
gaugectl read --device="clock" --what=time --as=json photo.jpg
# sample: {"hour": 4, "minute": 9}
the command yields {"hour": 5, "minute": 56}
